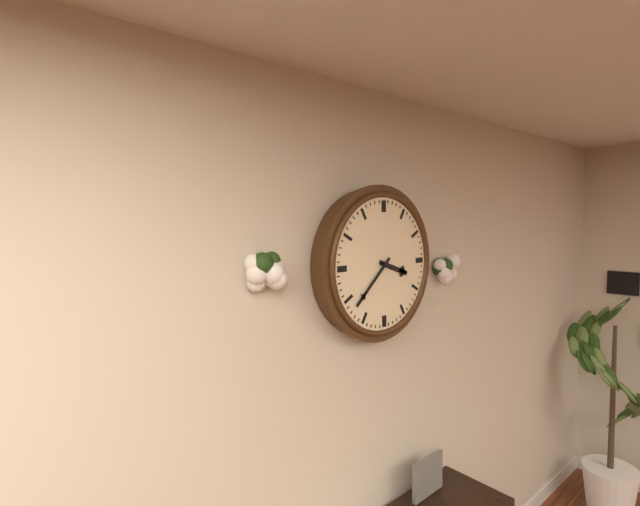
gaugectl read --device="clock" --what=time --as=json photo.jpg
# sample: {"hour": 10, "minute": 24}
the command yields {"hour": 3, "minute": 38}
